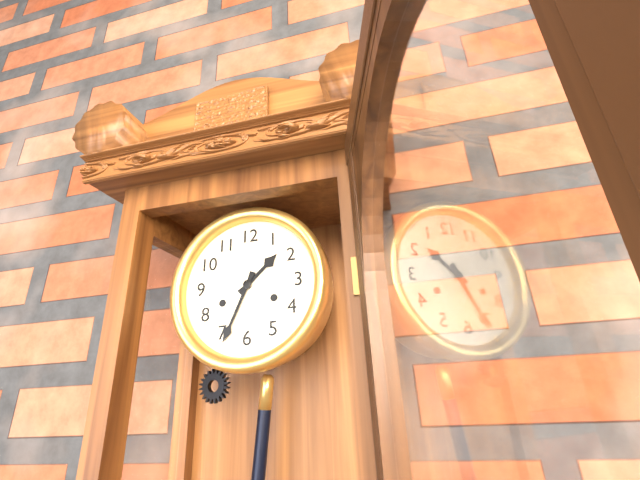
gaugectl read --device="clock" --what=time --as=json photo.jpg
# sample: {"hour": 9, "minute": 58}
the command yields {"hour": 1, "minute": 34}
